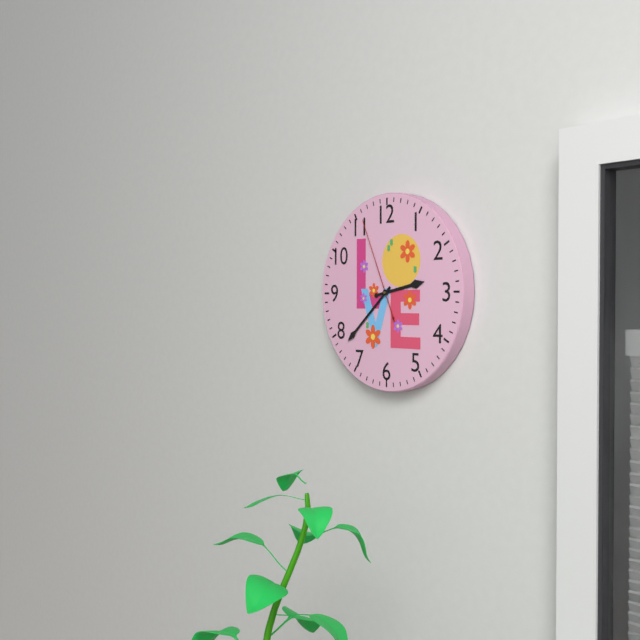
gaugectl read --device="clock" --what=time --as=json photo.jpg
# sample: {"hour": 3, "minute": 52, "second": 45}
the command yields {"hour": 2, "minute": 38, "second": 56}
